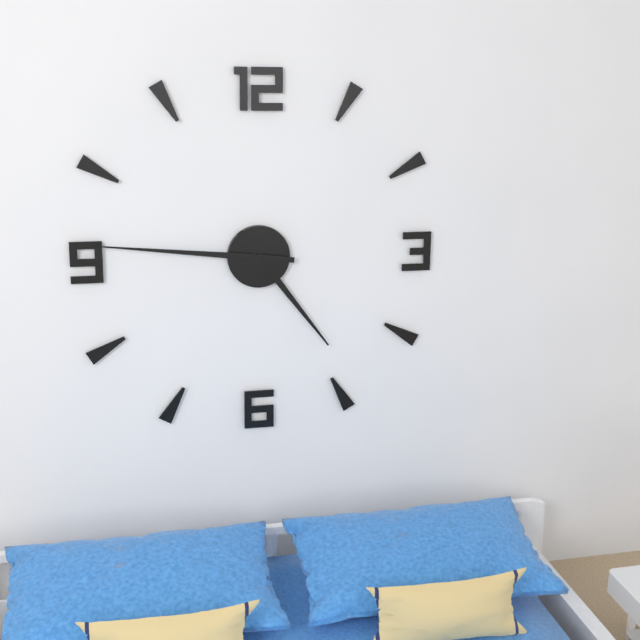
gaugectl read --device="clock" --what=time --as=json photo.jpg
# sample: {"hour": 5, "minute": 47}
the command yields {"hour": 4, "minute": 46}
